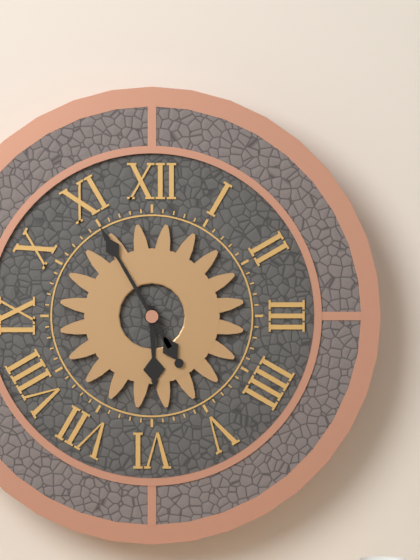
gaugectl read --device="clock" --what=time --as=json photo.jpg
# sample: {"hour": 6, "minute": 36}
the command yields {"hour": 5, "minute": 55}
